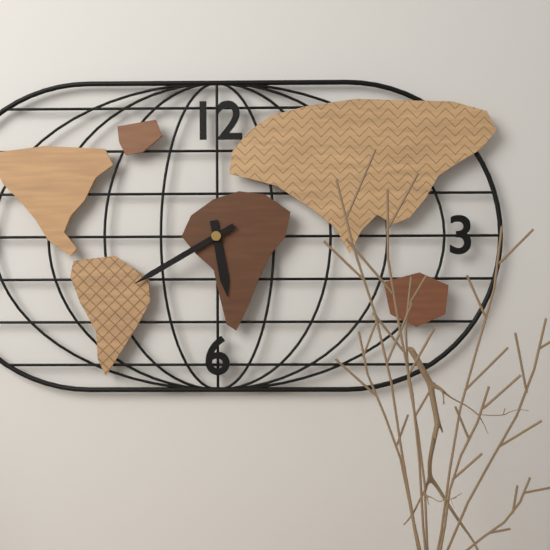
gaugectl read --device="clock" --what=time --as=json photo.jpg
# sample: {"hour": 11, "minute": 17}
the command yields {"hour": 5, "minute": 40}
